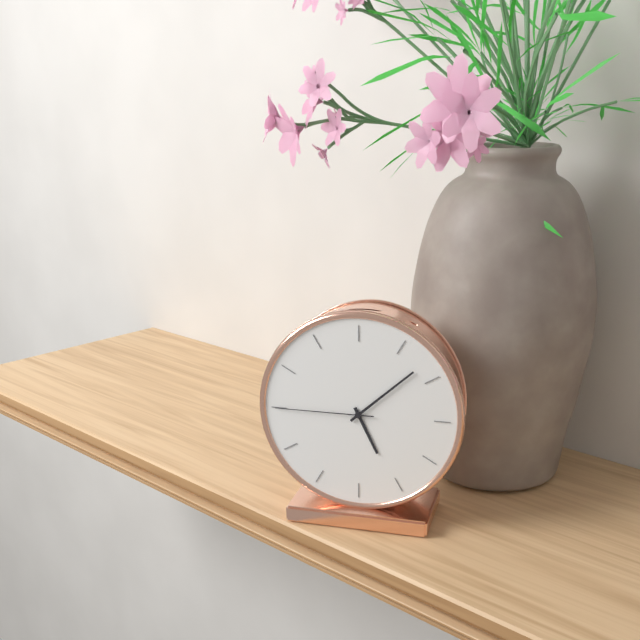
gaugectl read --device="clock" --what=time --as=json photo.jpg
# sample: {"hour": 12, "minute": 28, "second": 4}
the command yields {"hour": 5, "minute": 8, "second": 45}
